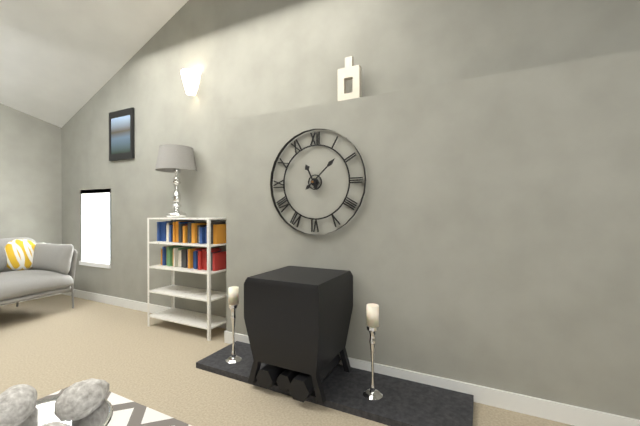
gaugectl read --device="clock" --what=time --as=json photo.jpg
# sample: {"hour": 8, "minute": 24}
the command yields {"hour": 11, "minute": 8}
